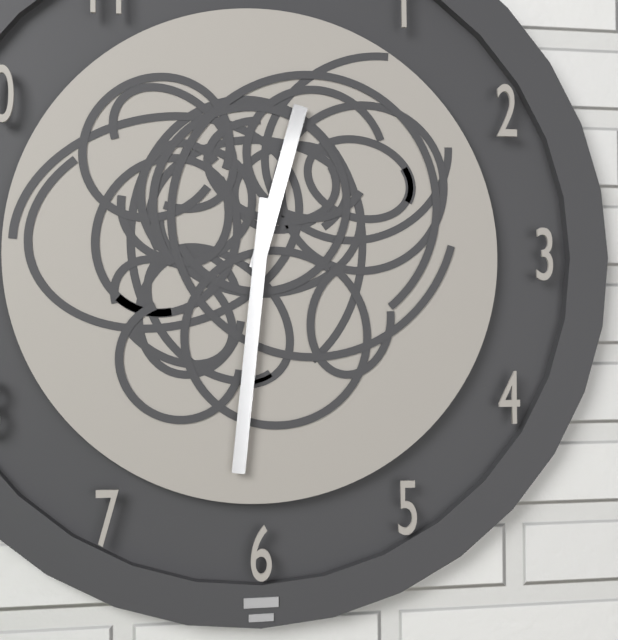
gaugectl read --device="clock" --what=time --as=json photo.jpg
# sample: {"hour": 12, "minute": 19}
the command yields {"hour": 12, "minute": 31}
